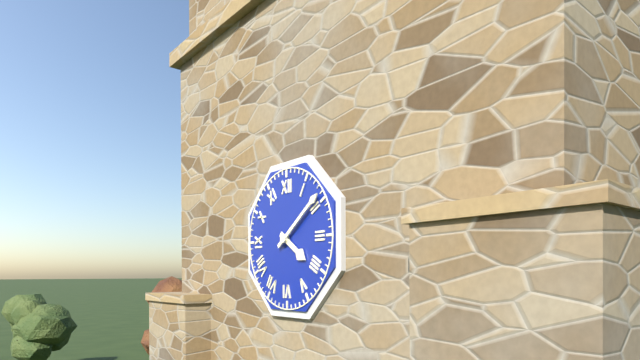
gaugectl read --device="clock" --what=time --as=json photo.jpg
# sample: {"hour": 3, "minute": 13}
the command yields {"hour": 4, "minute": 9}
